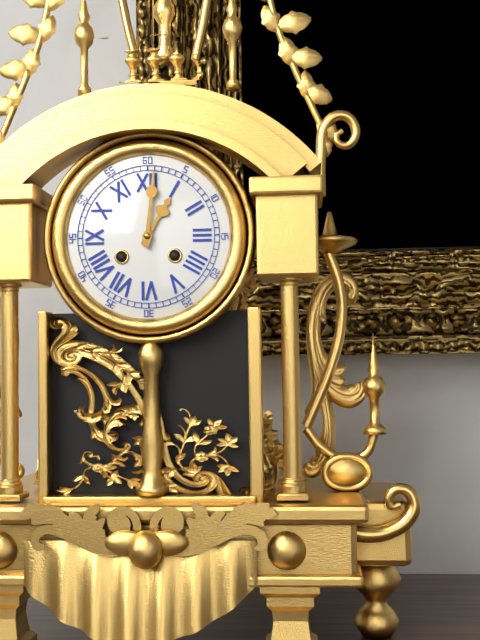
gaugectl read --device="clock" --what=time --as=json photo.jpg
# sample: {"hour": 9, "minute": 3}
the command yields {"hour": 1, "minute": 1}
